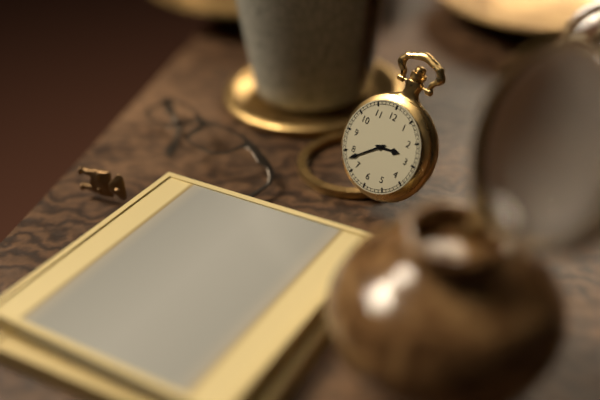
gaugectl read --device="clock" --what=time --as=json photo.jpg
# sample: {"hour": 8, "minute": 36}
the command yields {"hour": 2, "minute": 38}
